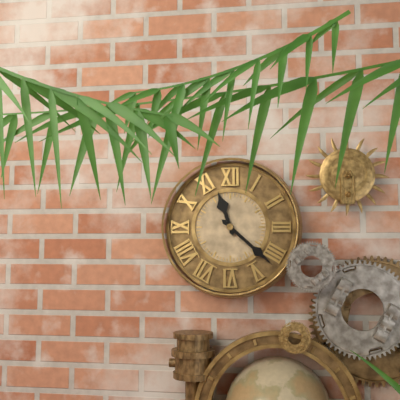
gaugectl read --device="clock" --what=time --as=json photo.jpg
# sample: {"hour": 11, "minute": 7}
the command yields {"hour": 11, "minute": 22}
